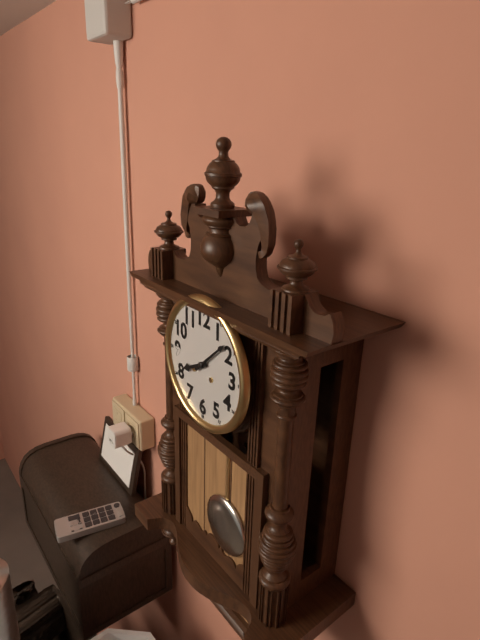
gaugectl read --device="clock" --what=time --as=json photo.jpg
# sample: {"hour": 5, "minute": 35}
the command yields {"hour": 8, "minute": 8}
